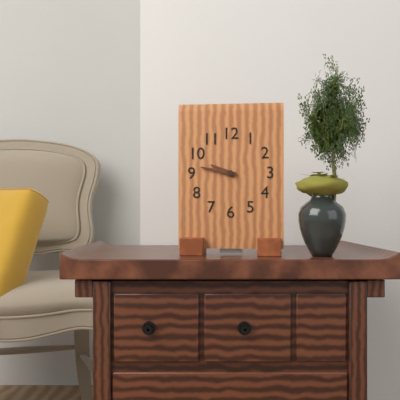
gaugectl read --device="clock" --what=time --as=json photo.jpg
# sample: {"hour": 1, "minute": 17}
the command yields {"hour": 9, "minute": 47}
